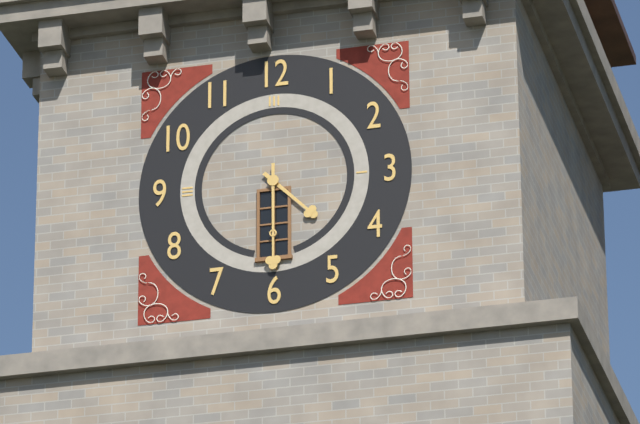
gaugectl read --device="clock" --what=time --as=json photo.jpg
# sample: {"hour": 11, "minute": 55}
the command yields {"hour": 4, "minute": 30}
